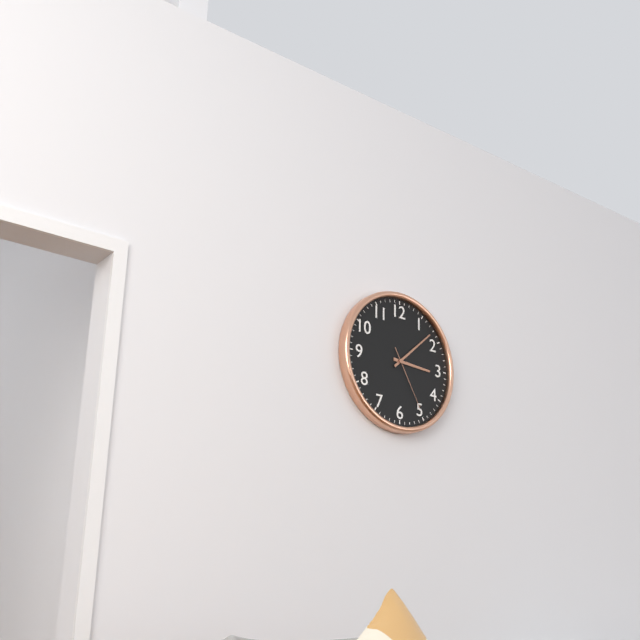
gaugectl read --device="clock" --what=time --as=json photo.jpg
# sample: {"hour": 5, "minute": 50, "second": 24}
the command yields {"hour": 3, "minute": 8, "second": 25}
